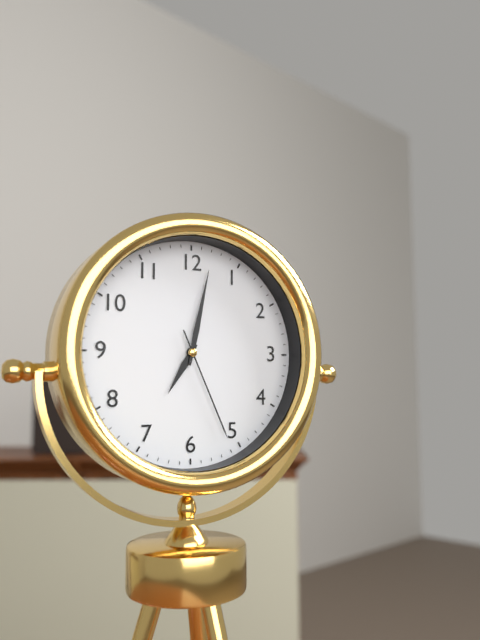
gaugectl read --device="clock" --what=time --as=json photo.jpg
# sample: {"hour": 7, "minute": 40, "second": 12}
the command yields {"hour": 7, "minute": 2, "second": 26}
